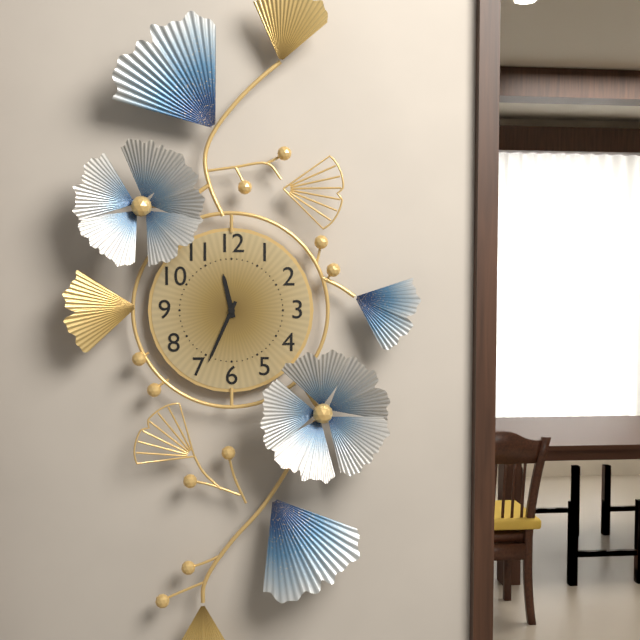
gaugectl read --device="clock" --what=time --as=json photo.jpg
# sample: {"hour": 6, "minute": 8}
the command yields {"hour": 11, "minute": 34}
